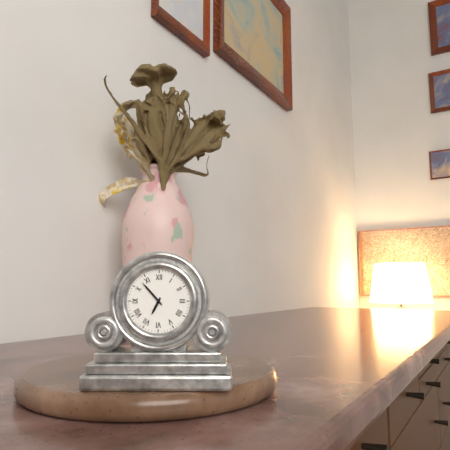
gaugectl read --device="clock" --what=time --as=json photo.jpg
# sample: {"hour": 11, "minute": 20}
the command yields {"hour": 6, "minute": 53}
